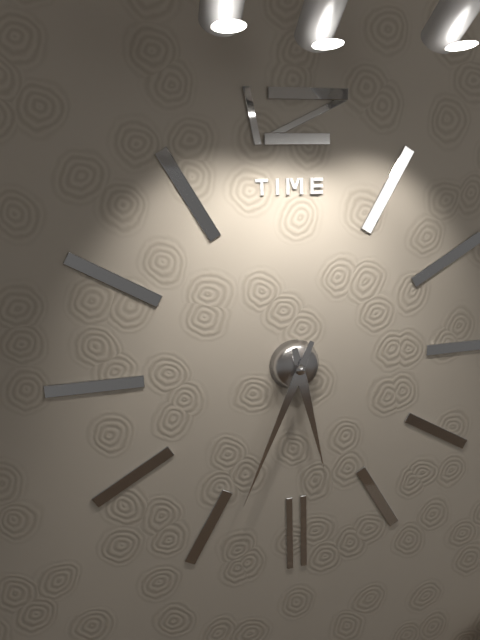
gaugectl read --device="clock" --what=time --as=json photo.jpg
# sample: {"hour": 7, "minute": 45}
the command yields {"hour": 5, "minute": 34}
